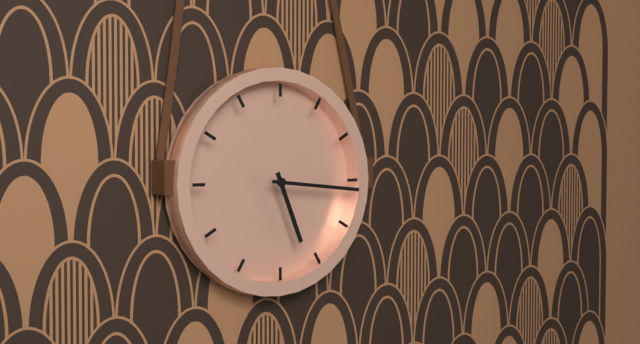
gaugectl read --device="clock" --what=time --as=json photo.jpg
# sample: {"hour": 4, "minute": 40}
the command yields {"hour": 5, "minute": 16}
